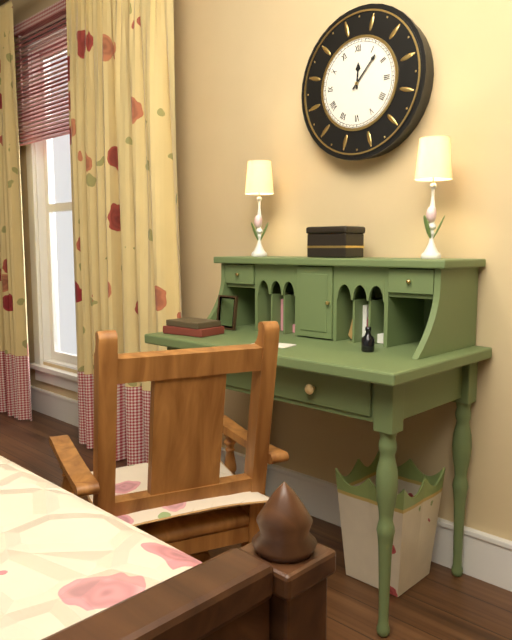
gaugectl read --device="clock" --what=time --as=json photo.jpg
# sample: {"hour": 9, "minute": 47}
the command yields {"hour": 12, "minute": 7}
